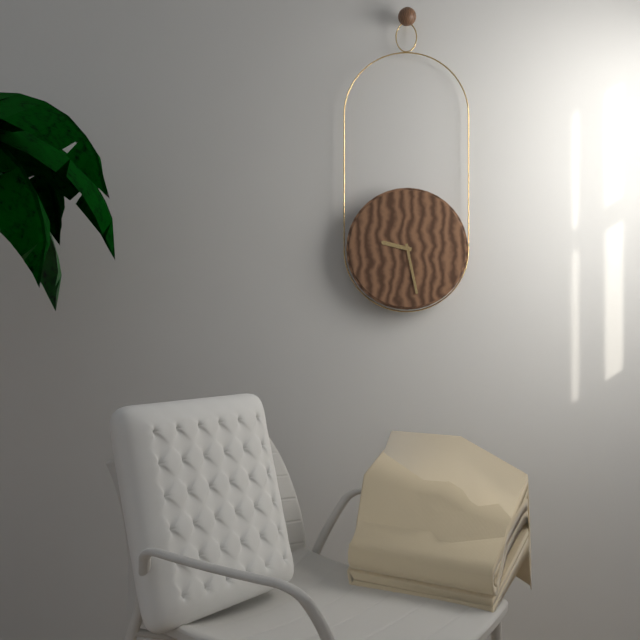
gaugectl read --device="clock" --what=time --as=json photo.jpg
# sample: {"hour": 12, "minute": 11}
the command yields {"hour": 9, "minute": 28}
